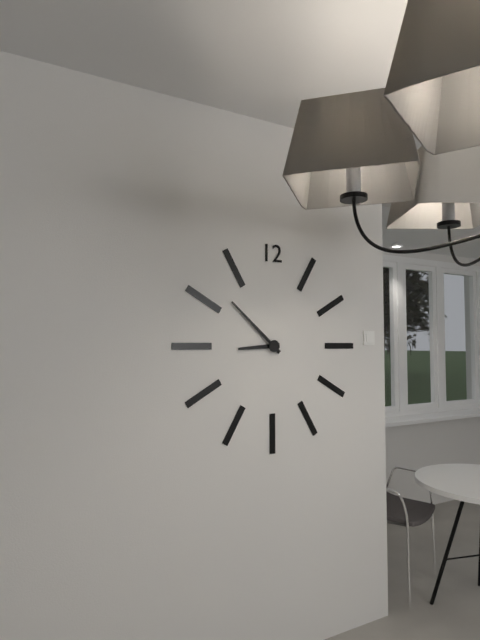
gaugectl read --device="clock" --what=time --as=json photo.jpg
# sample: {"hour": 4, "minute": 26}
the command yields {"hour": 8, "minute": 52}
